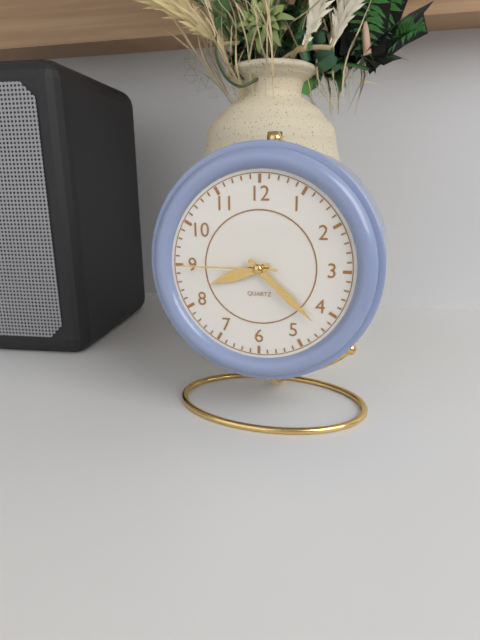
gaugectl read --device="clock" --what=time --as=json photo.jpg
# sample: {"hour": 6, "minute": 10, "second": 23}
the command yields {"hour": 8, "minute": 22, "second": 45}
